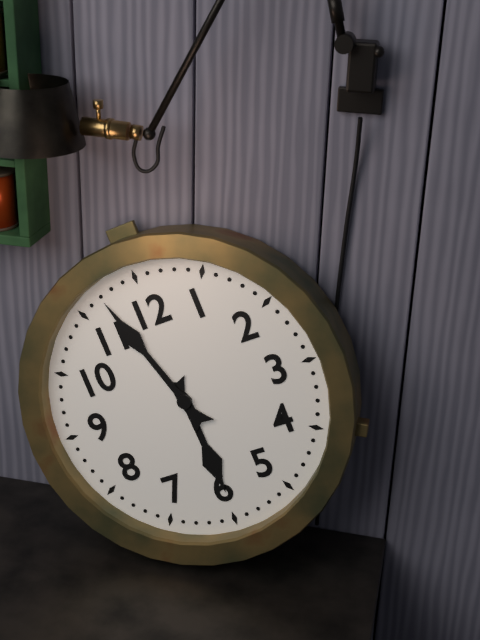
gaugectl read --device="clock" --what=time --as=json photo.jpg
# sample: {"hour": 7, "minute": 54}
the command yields {"hour": 5, "minute": 57}
